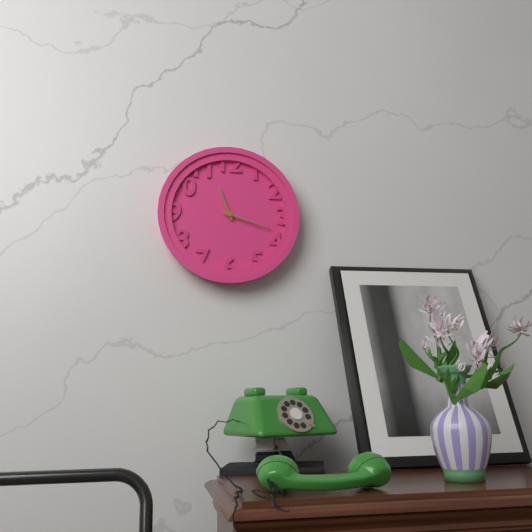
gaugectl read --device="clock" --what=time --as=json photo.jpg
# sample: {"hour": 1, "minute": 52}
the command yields {"hour": 11, "minute": 18}
